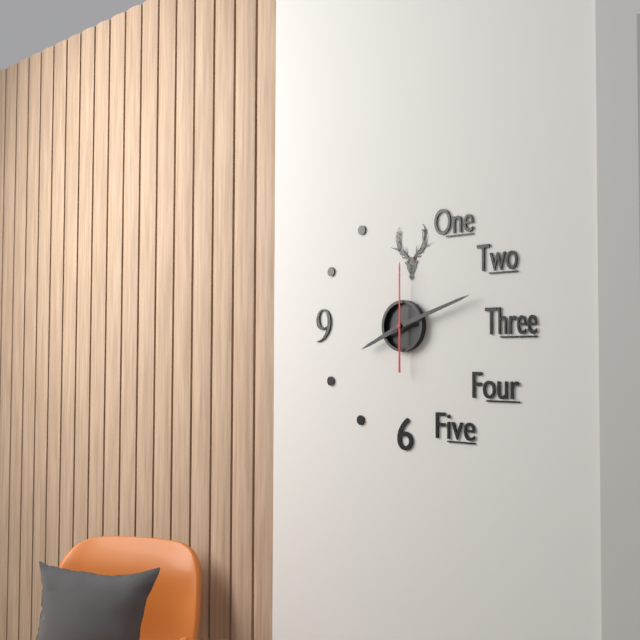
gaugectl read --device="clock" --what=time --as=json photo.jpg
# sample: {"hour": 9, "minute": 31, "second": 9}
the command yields {"hour": 8, "minute": 12, "second": 0}
